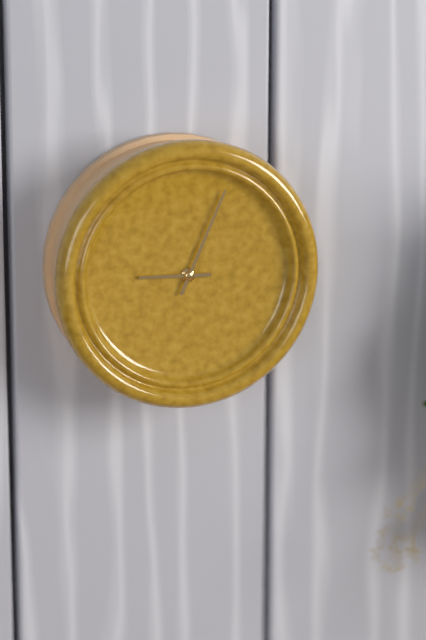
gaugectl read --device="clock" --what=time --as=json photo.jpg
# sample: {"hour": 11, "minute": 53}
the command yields {"hour": 9, "minute": 4}
